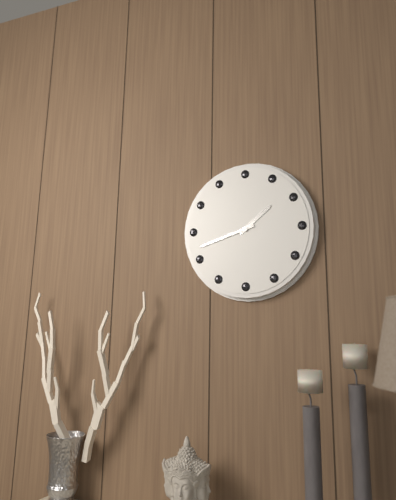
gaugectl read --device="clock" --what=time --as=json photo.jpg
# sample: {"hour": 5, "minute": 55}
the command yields {"hour": 1, "minute": 42}
